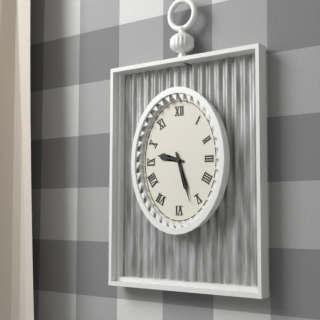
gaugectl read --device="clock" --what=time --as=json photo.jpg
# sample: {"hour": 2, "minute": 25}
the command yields {"hour": 9, "minute": 27}
